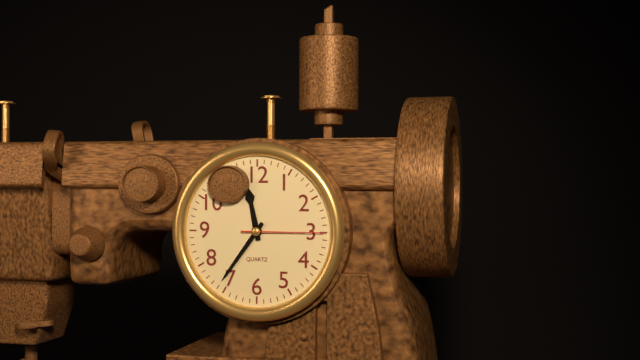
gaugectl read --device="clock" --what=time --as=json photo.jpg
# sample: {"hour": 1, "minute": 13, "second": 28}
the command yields {"hour": 11, "minute": 36, "second": 15}
